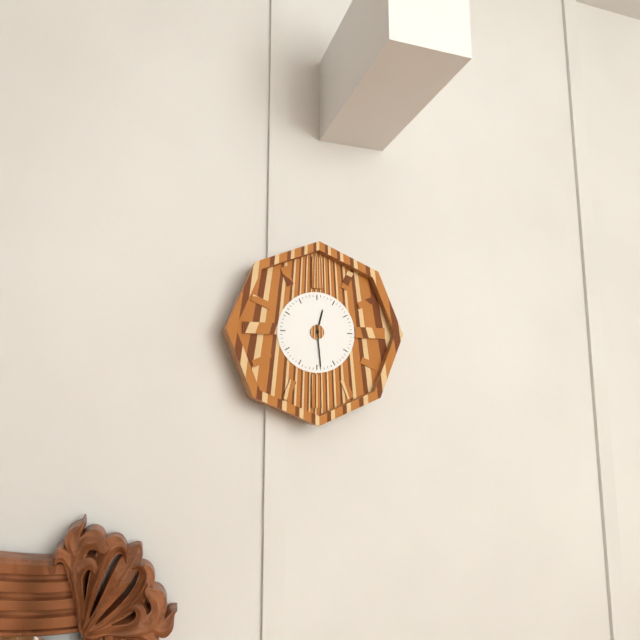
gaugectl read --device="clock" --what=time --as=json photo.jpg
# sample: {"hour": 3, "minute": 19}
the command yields {"hour": 12, "minute": 29}
